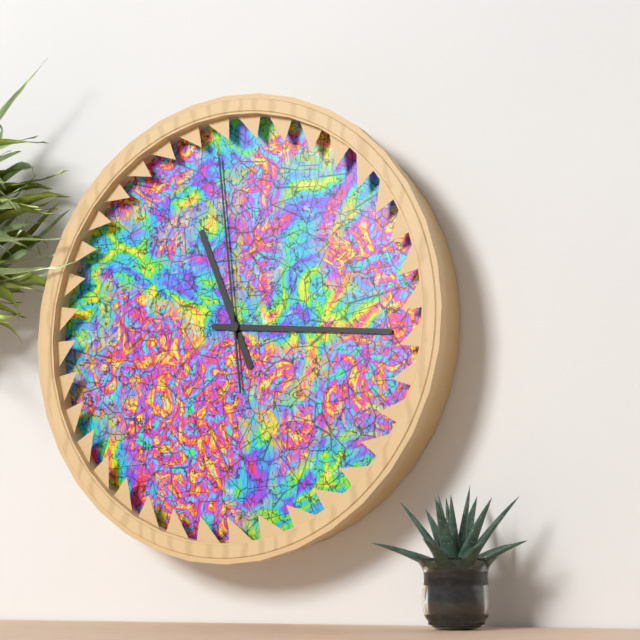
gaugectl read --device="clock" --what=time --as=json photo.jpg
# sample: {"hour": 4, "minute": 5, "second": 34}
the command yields {"hour": 11, "minute": 16, "second": 59}
